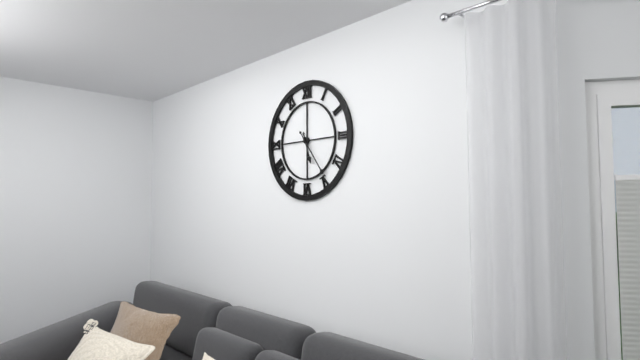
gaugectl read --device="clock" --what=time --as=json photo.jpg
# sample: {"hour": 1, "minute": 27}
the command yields {"hour": 5, "minute": 24}
